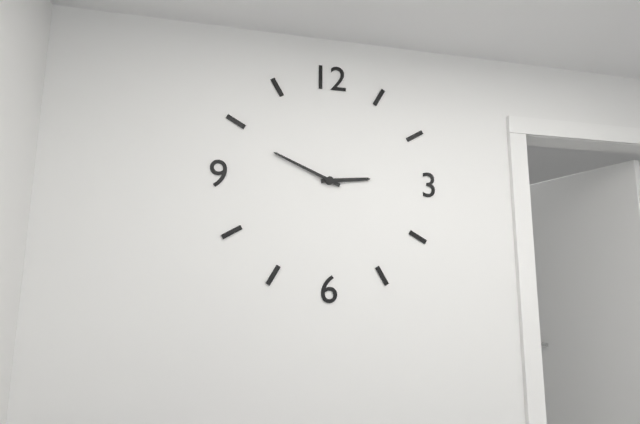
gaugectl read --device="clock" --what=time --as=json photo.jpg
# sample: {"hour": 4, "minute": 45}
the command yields {"hour": 2, "minute": 49}
